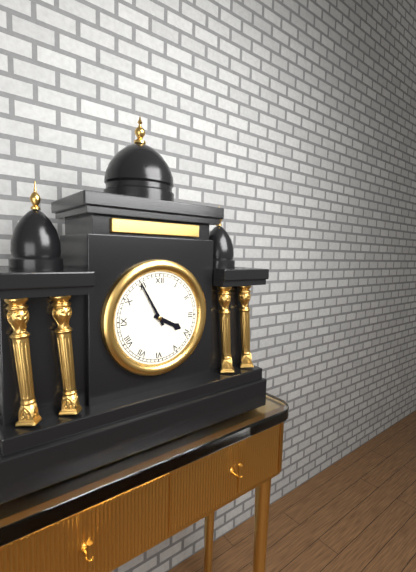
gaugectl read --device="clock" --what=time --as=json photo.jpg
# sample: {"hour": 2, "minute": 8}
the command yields {"hour": 3, "minute": 55}
